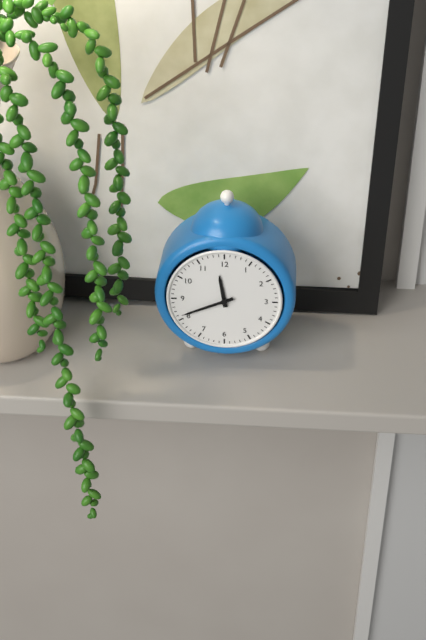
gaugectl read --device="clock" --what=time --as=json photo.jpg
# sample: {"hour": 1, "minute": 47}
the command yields {"hour": 11, "minute": 41}
